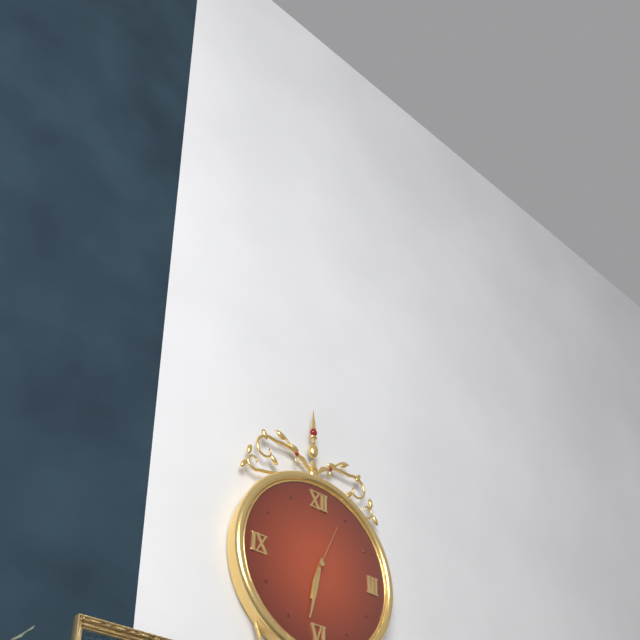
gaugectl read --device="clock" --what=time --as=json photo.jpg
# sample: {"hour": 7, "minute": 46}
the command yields {"hour": 6, "minute": 32}
